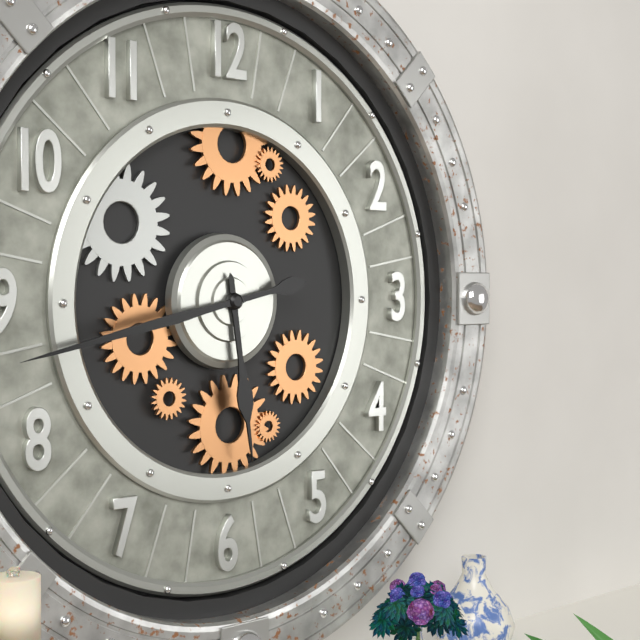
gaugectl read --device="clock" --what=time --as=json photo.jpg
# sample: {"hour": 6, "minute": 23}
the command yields {"hour": 5, "minute": 43}
